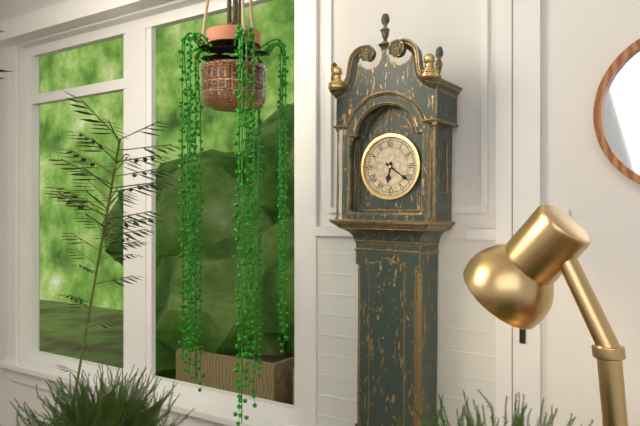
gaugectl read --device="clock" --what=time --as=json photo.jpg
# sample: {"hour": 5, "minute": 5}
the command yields {"hour": 6, "minute": 21}
